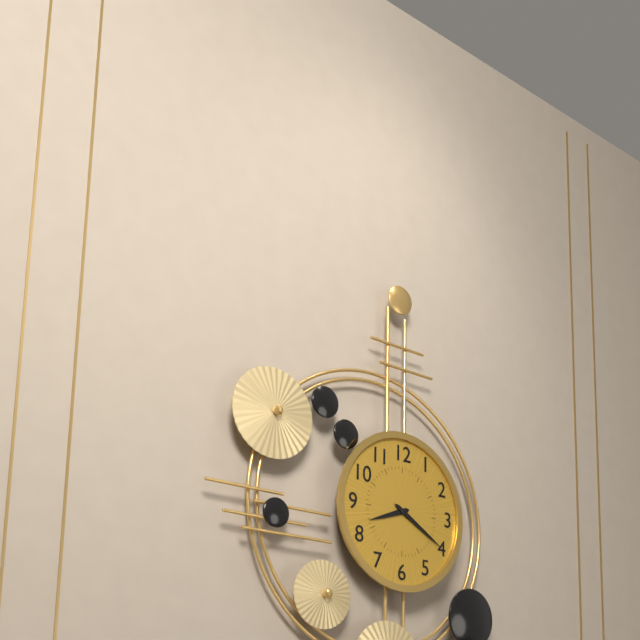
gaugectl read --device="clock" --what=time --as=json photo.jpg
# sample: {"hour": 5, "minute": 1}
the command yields {"hour": 8, "minute": 20}
